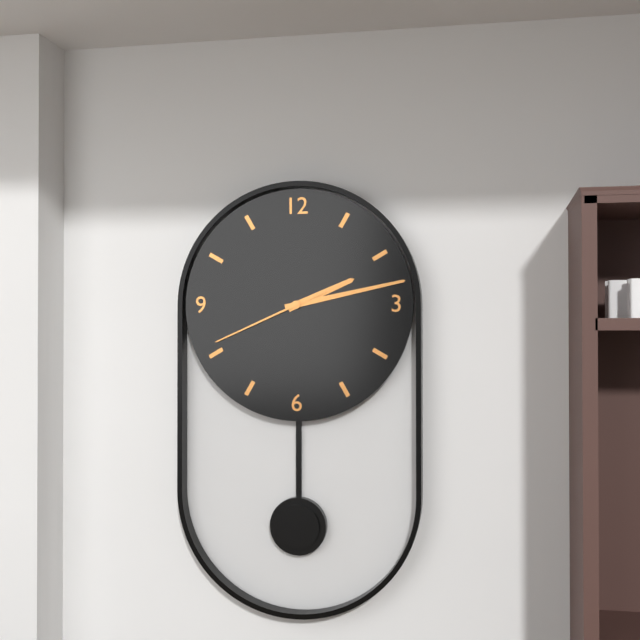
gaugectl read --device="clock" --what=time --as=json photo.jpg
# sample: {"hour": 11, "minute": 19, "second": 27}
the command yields {"hour": 2, "minute": 13, "second": 41}
